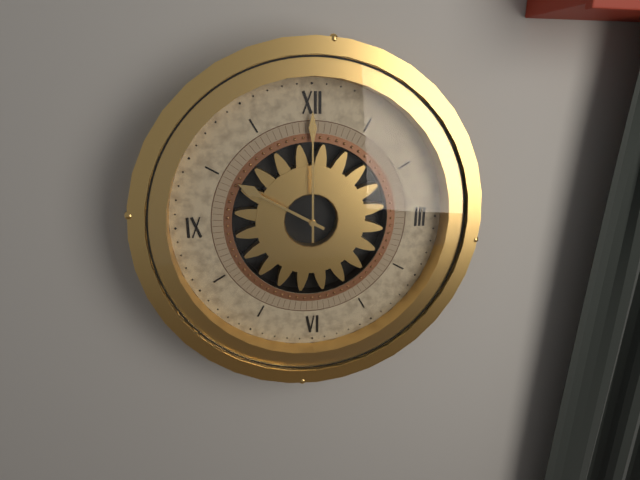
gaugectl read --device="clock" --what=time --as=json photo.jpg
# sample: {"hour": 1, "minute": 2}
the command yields {"hour": 10, "minute": 0}
